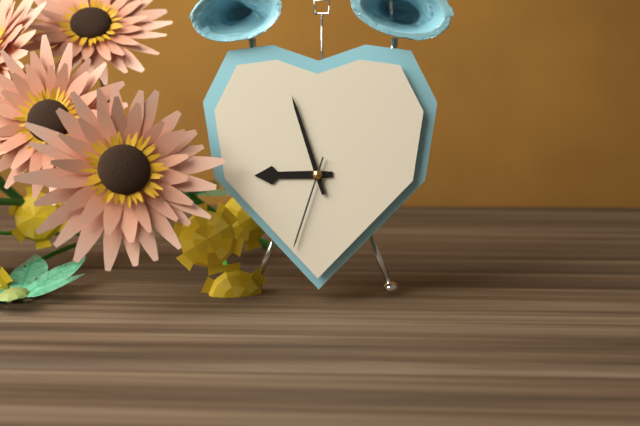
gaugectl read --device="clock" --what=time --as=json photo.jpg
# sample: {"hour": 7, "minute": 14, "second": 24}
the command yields {"hour": 8, "minute": 57, "second": 33}
